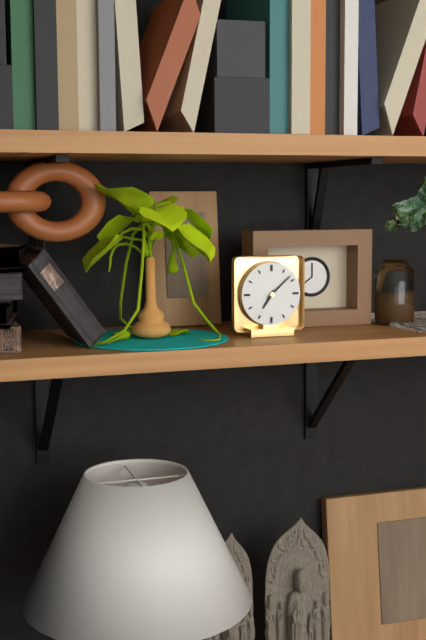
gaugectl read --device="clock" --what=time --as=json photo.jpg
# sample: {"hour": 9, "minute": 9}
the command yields {"hour": 7, "minute": 8}
